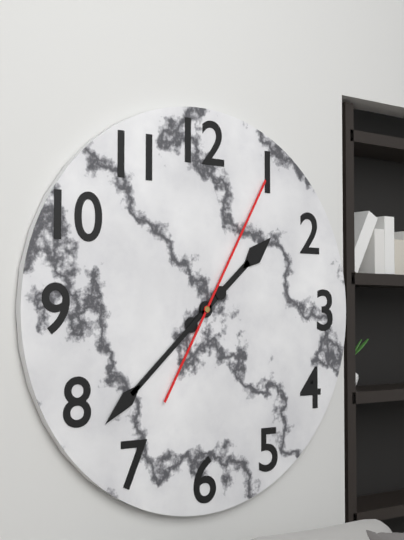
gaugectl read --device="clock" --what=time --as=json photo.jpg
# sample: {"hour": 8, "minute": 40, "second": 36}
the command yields {"hour": 1, "minute": 38, "second": 5}
